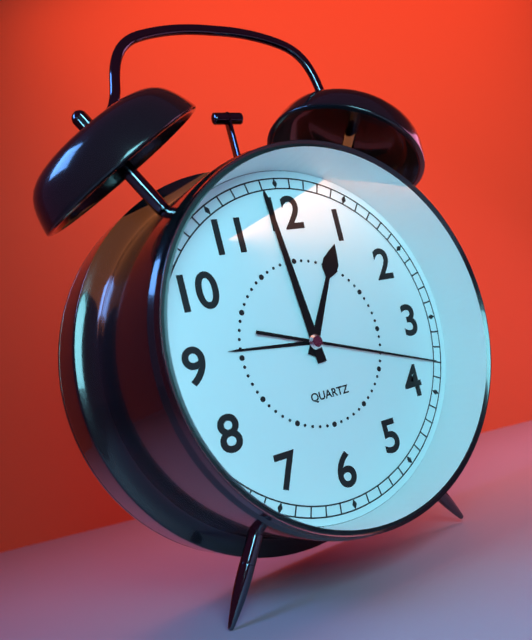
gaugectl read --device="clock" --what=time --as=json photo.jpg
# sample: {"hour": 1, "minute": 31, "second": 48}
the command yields {"hour": 12, "minute": 59, "second": 18}
